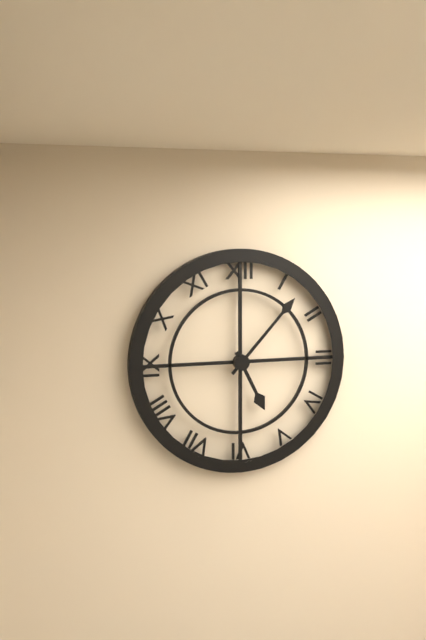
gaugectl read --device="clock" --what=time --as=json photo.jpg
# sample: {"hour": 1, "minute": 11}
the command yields {"hour": 5, "minute": 7}
